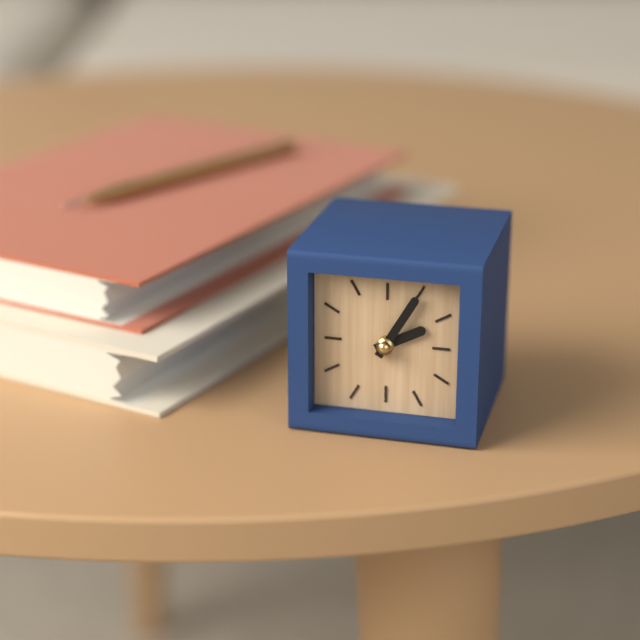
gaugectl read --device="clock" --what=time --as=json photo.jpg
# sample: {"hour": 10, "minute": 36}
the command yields {"hour": 2, "minute": 5}
